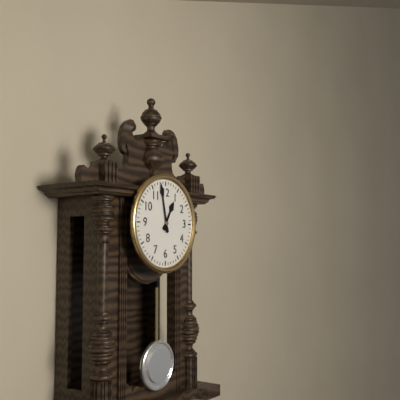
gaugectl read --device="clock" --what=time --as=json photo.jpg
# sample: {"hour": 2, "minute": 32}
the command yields {"hour": 12, "minute": 58}
